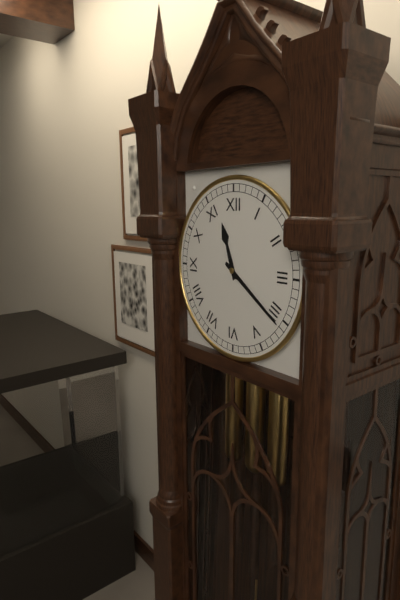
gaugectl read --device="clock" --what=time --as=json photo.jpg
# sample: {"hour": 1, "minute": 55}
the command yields {"hour": 11, "minute": 21}
